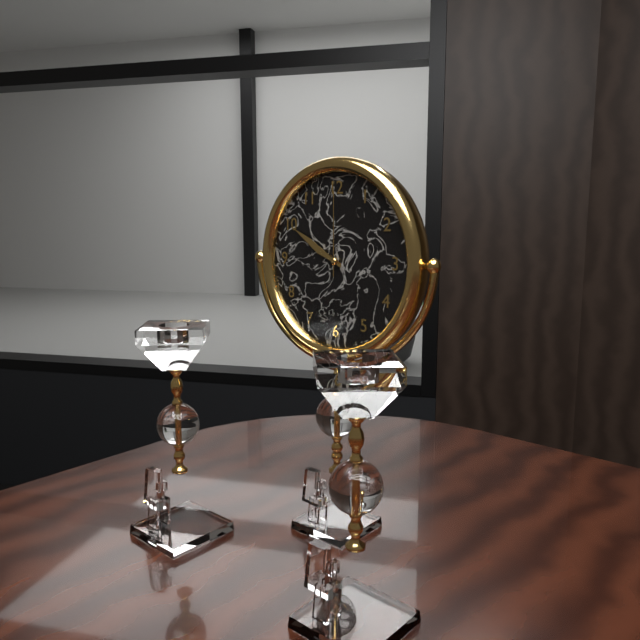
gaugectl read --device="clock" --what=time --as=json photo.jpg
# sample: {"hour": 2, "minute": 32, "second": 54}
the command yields {"hour": 9, "minute": 50, "second": 0}
